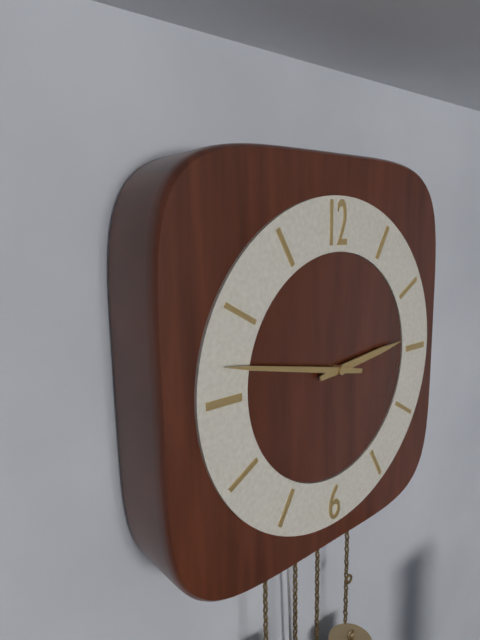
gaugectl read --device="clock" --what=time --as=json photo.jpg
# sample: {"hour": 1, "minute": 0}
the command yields {"hour": 2, "minute": 47}
